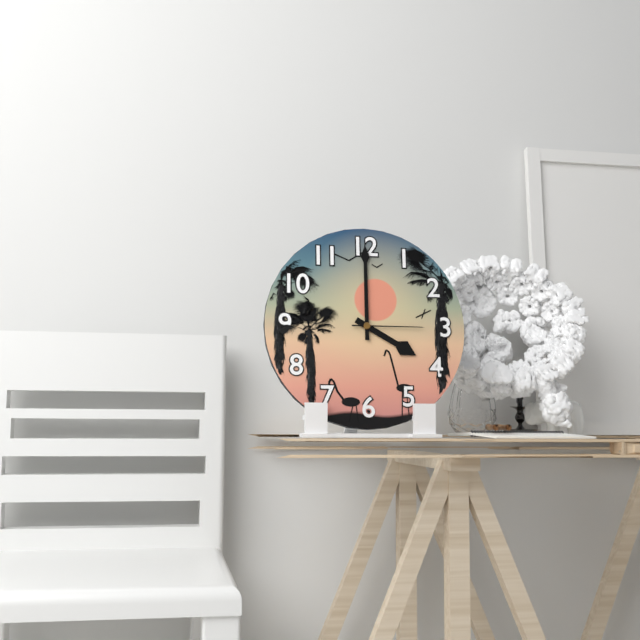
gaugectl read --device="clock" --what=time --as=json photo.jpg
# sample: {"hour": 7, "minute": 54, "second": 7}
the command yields {"hour": 4, "minute": 0, "second": 15}
